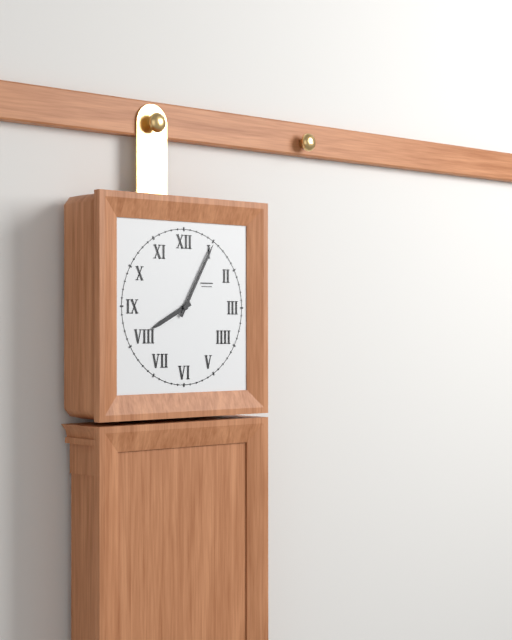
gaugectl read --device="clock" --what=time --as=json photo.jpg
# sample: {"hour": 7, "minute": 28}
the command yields {"hour": 8, "minute": 5}
